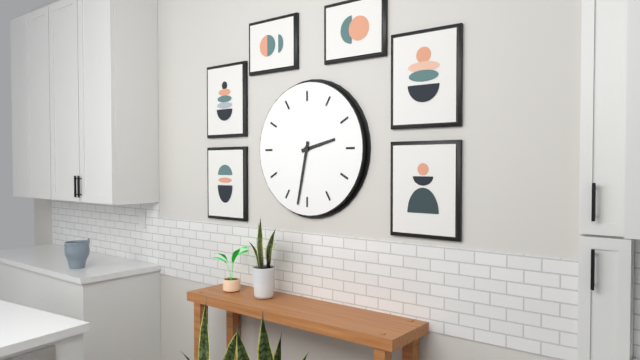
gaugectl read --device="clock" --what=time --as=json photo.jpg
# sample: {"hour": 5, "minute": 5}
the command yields {"hour": 2, "minute": 32}
